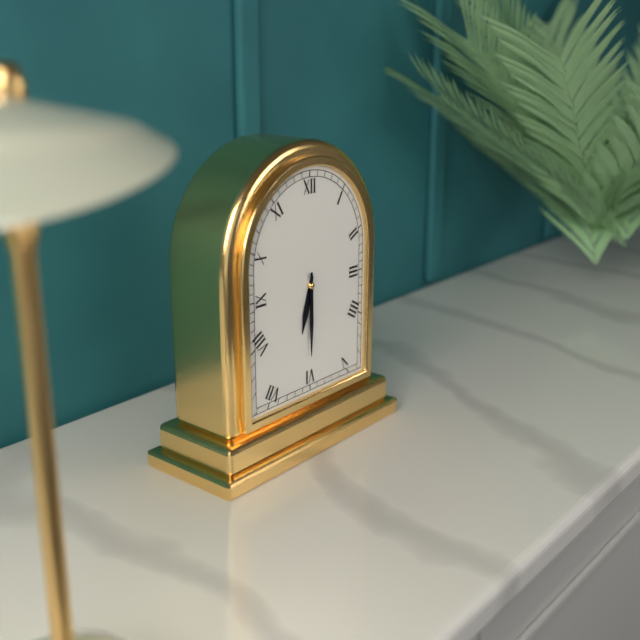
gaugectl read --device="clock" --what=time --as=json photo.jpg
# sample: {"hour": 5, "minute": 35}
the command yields {"hour": 6, "minute": 30}
